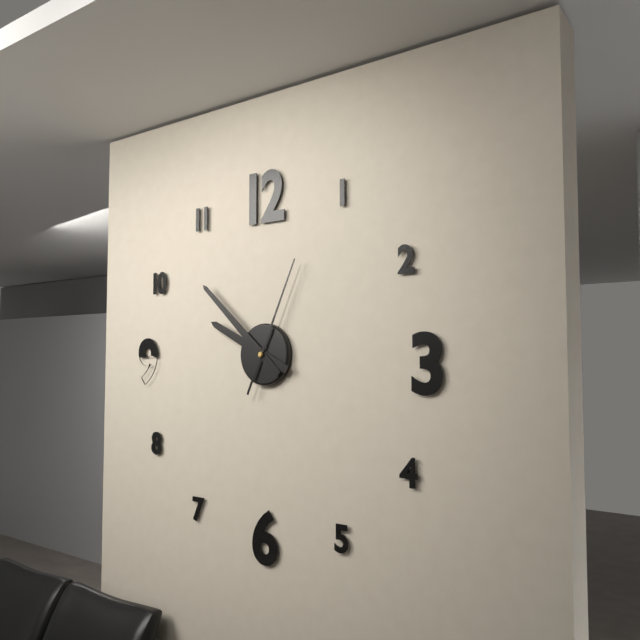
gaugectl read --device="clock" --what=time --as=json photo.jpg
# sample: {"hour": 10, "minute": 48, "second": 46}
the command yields {"hour": 9, "minute": 52, "second": 4}
